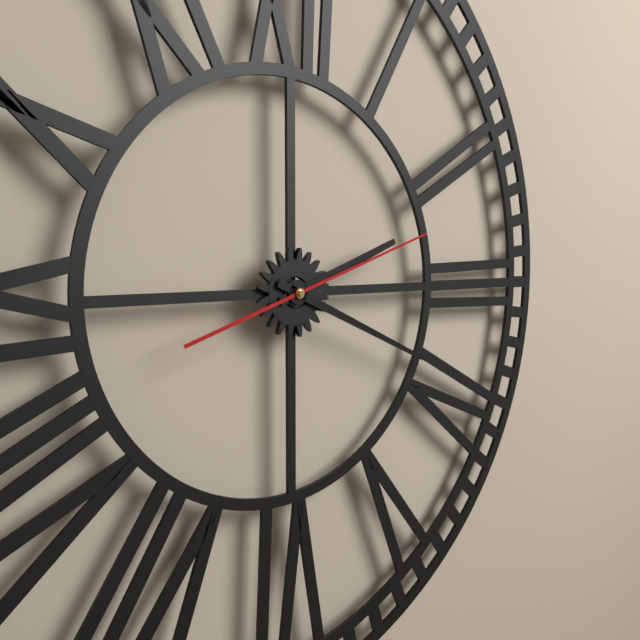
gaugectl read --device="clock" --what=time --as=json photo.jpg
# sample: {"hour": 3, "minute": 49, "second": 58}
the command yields {"hour": 2, "minute": 19, "second": 12}
